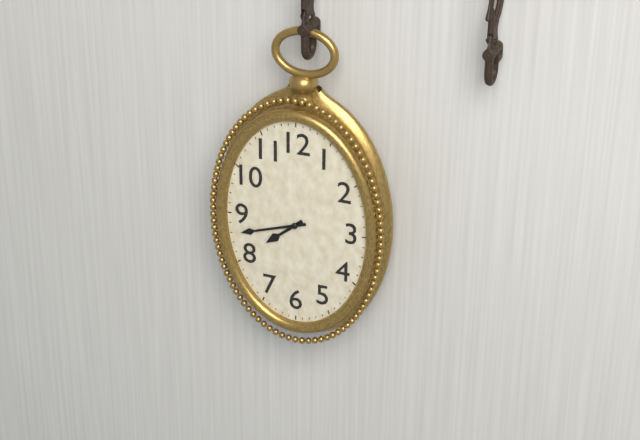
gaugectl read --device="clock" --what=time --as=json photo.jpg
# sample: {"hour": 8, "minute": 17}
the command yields {"hour": 7, "minute": 42}
